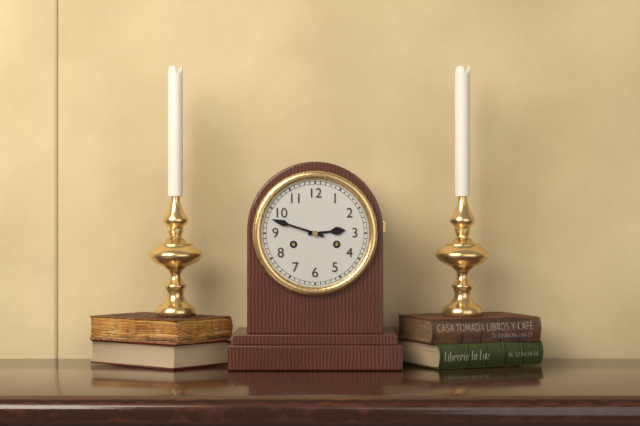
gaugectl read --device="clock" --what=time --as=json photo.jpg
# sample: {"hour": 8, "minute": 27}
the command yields {"hour": 2, "minute": 48}
